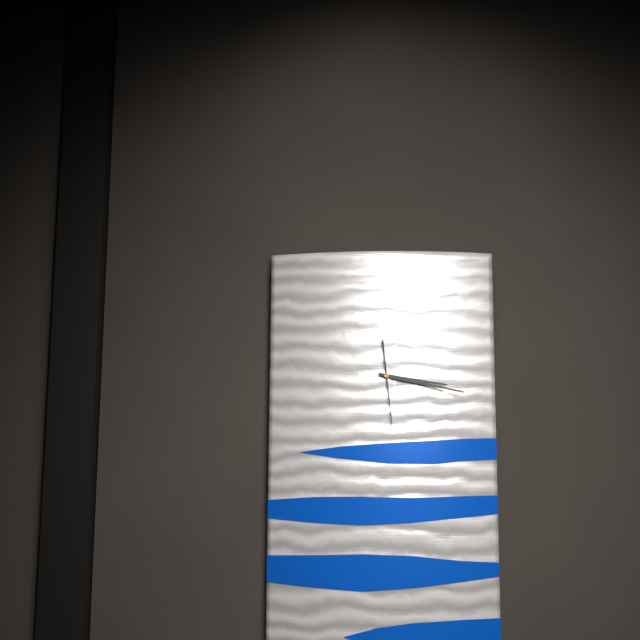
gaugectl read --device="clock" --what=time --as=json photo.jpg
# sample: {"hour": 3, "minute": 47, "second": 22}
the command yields {"hour": 3, "minute": 17, "second": 29}
